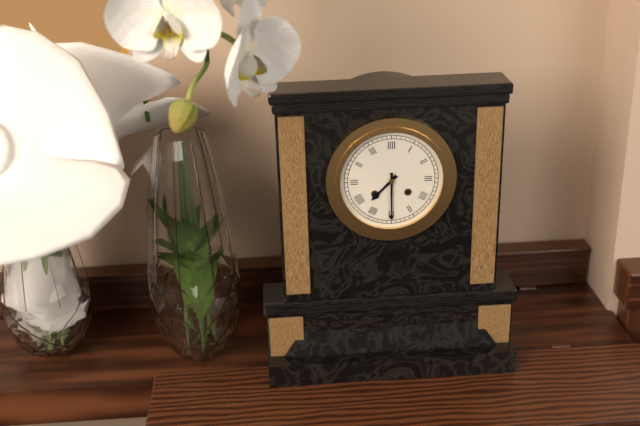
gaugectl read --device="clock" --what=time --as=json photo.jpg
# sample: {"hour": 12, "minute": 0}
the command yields {"hour": 7, "minute": 30}
